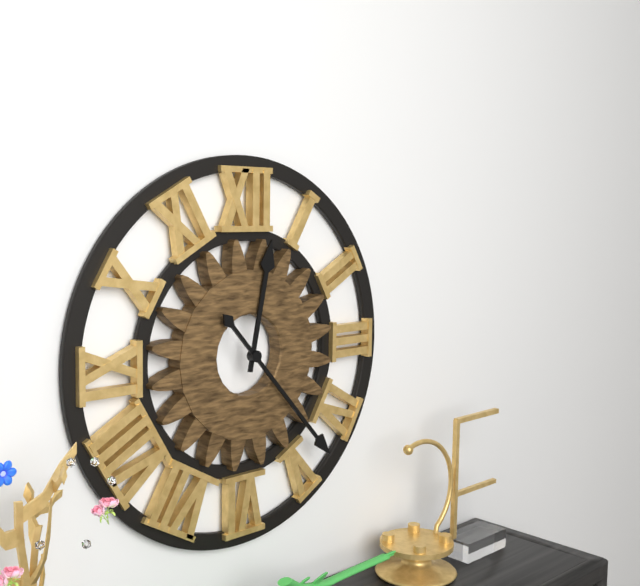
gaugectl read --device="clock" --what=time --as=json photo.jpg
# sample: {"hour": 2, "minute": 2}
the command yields {"hour": 12, "minute": 23}
